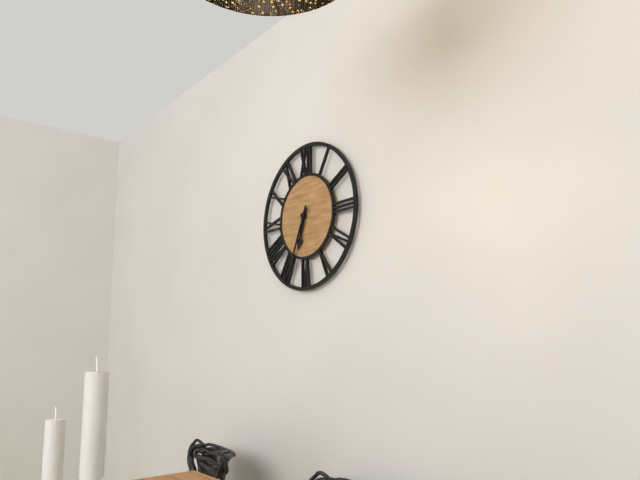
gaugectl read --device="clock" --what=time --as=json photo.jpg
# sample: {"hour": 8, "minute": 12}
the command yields {"hour": 6, "minute": 34}
